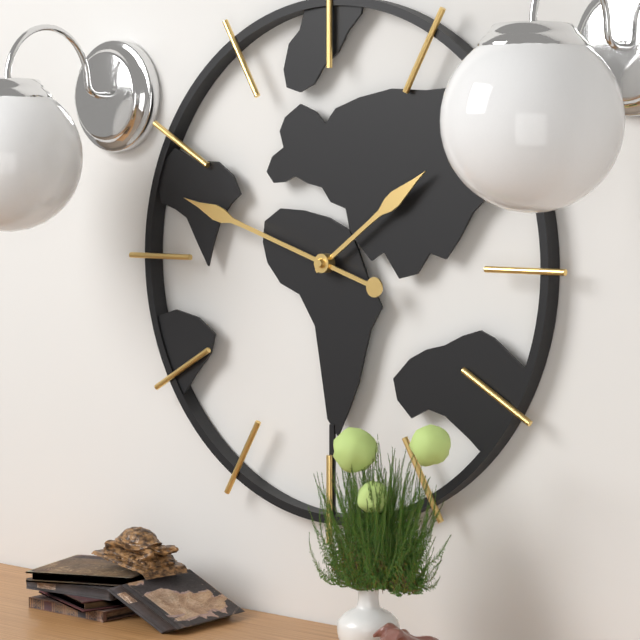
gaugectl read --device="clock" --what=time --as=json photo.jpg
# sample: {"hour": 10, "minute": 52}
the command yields {"hour": 1, "minute": 48}
